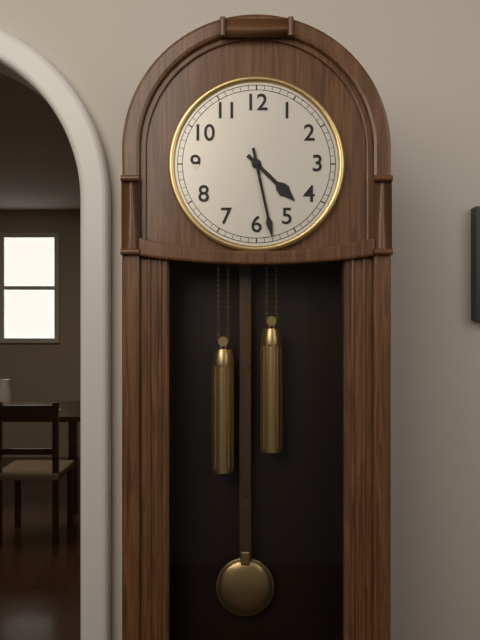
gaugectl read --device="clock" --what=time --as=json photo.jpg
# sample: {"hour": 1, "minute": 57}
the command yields {"hour": 4, "minute": 28}
